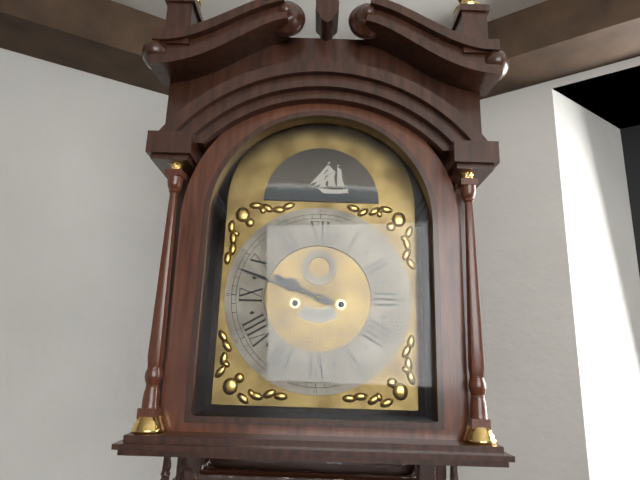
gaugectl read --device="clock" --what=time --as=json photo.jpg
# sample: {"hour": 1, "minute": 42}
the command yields {"hour": 9, "minute": 48}
